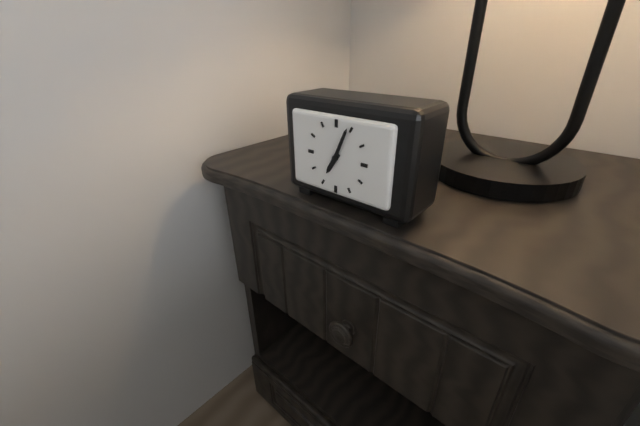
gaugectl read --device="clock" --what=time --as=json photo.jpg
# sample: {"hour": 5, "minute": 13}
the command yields {"hour": 7, "minute": 4}
